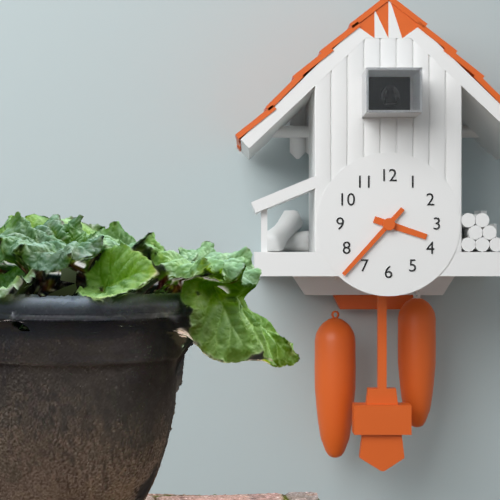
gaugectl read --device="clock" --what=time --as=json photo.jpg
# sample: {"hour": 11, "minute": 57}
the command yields {"hour": 3, "minute": 37}
